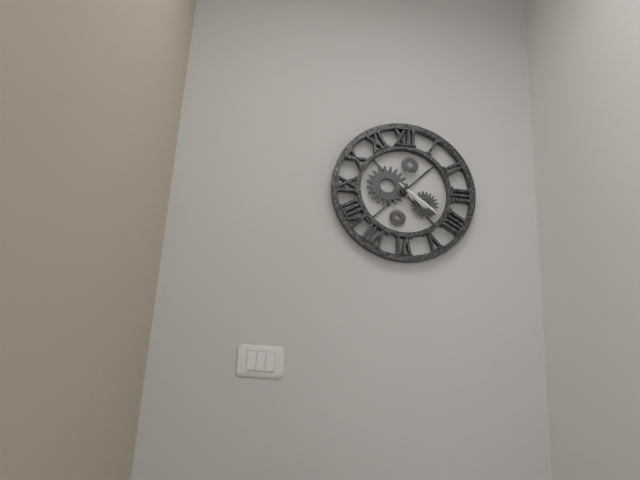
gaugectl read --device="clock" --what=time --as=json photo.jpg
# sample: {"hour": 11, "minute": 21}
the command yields {"hour": 4, "minute": 21}
